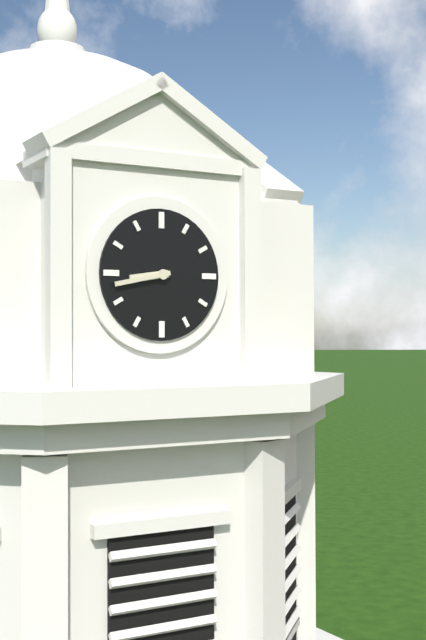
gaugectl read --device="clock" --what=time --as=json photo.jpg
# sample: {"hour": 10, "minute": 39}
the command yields {"hour": 8, "minute": 43}
